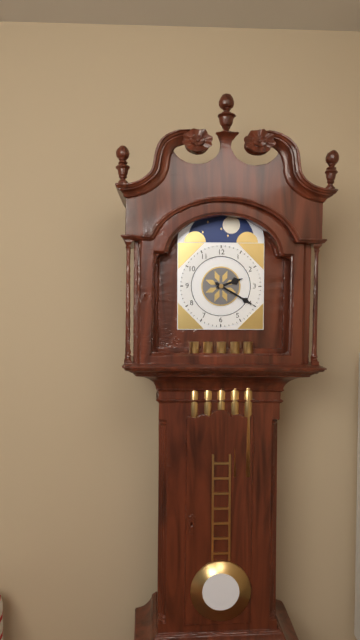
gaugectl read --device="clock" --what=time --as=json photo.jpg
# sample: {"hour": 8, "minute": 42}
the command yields {"hour": 2, "minute": 20}
